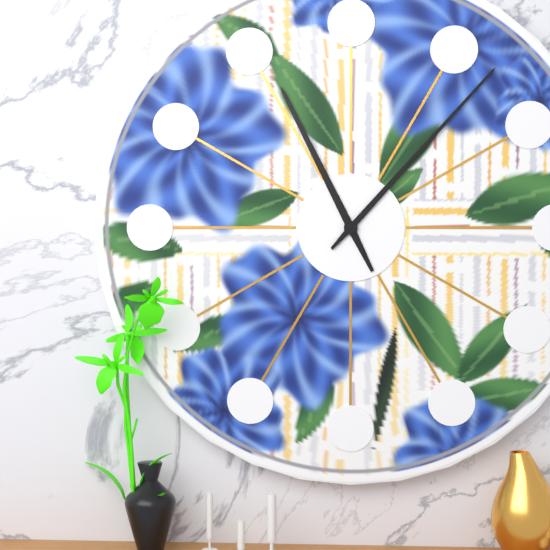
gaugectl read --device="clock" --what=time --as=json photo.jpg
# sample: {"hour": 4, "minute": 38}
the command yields {"hour": 11, "minute": 7}
